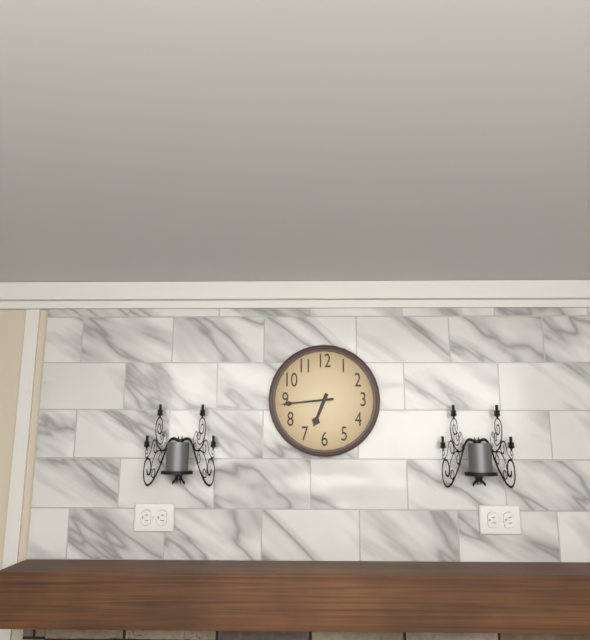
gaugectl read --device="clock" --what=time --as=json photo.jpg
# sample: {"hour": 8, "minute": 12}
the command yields {"hour": 6, "minute": 44}
